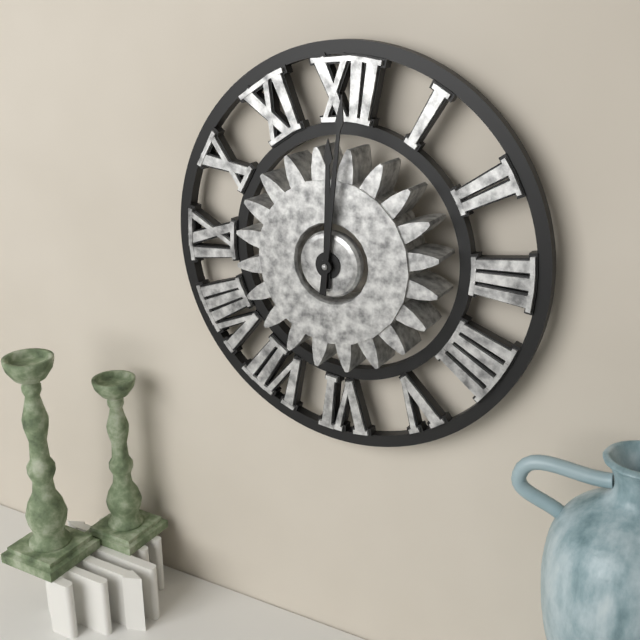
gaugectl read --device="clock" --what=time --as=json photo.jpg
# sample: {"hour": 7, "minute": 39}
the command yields {"hour": 12, "minute": 1}
